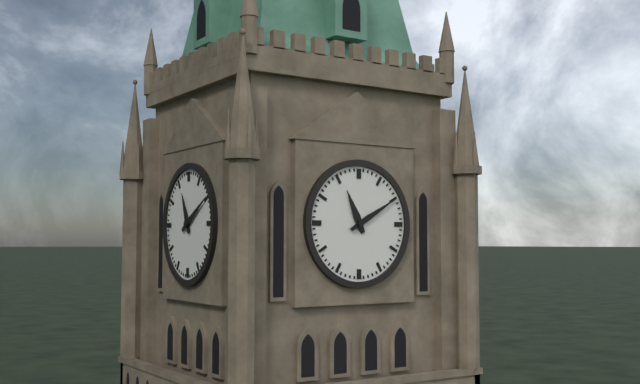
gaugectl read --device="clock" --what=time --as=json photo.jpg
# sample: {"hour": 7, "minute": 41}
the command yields {"hour": 11, "minute": 10}
